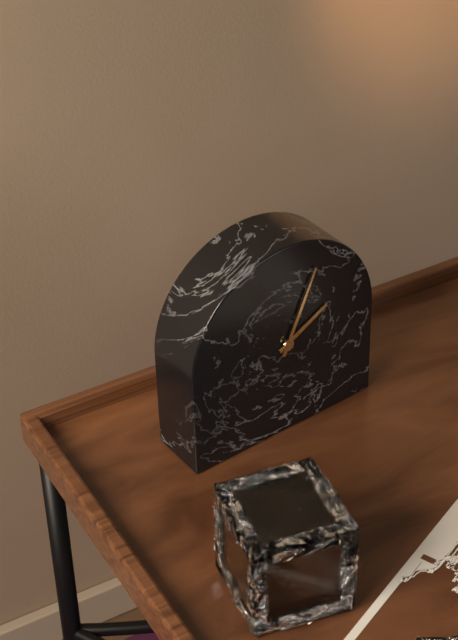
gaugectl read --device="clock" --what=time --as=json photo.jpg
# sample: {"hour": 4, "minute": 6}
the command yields {"hour": 2, "minute": 4}
